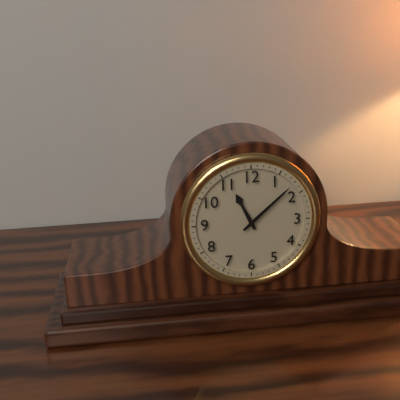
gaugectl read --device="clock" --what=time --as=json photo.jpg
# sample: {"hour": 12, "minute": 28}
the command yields {"hour": 11, "minute": 8}
